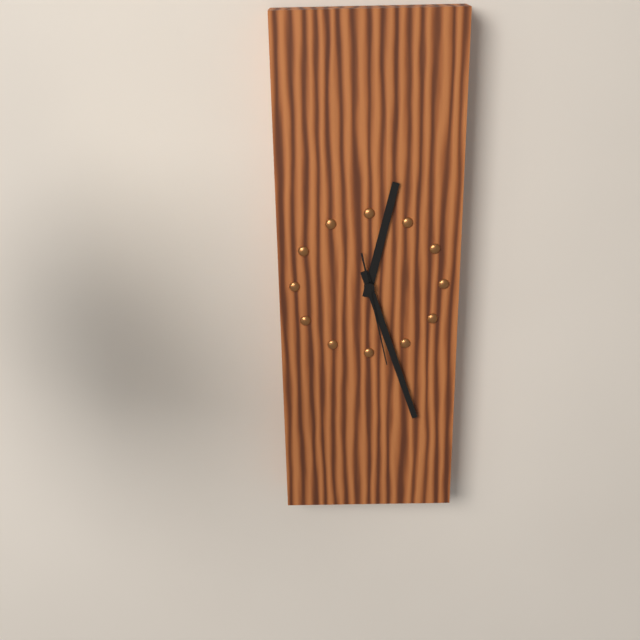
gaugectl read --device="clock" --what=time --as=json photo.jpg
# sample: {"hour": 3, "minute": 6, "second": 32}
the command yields {"hour": 12, "minute": 27, "second": 28}
